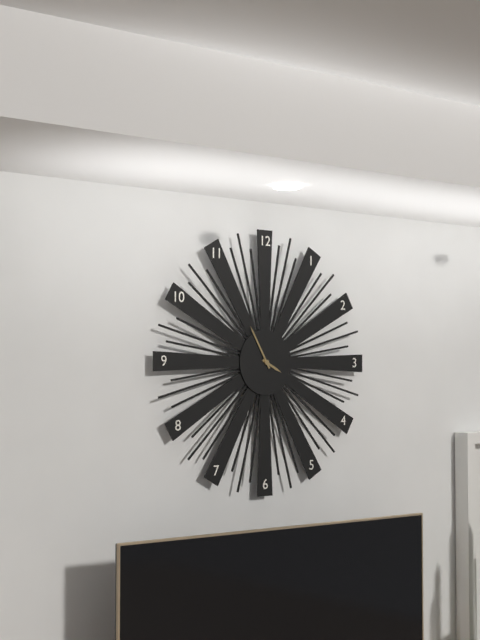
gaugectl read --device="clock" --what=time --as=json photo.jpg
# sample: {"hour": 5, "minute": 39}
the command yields {"hour": 3, "minute": 55}
